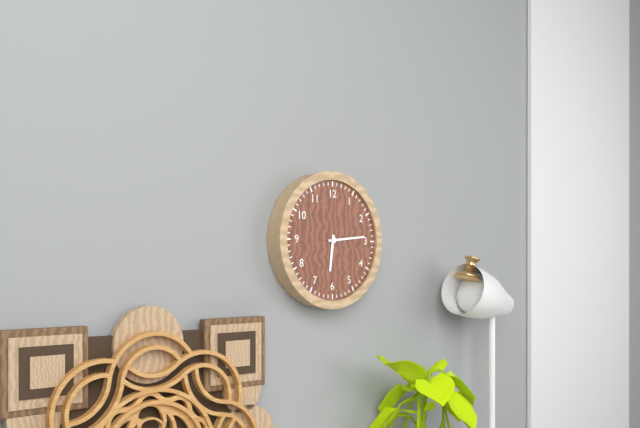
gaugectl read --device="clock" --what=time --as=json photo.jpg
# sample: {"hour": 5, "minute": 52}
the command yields {"hour": 6, "minute": 14}
